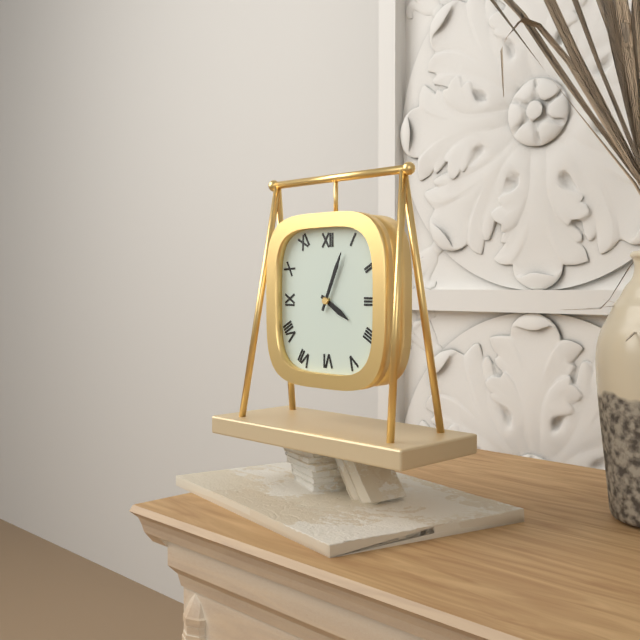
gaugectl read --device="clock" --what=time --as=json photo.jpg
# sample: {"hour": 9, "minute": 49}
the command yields {"hour": 4, "minute": 4}
